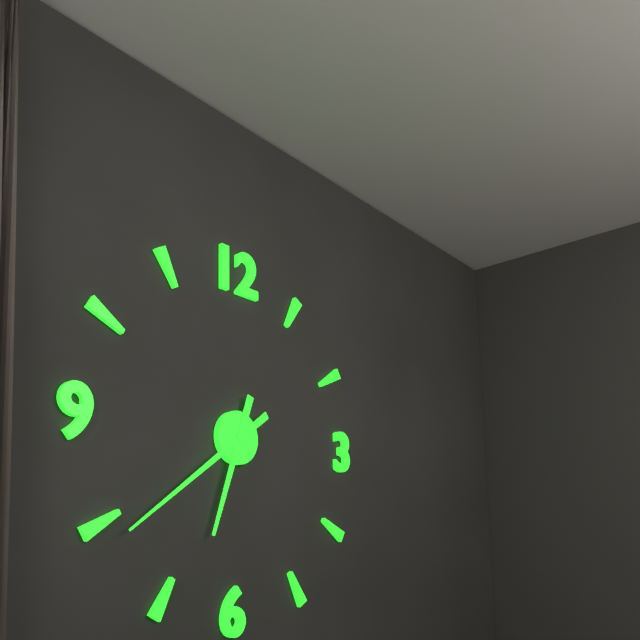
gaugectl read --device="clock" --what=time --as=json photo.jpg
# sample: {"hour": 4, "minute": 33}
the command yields {"hour": 6, "minute": 39}
